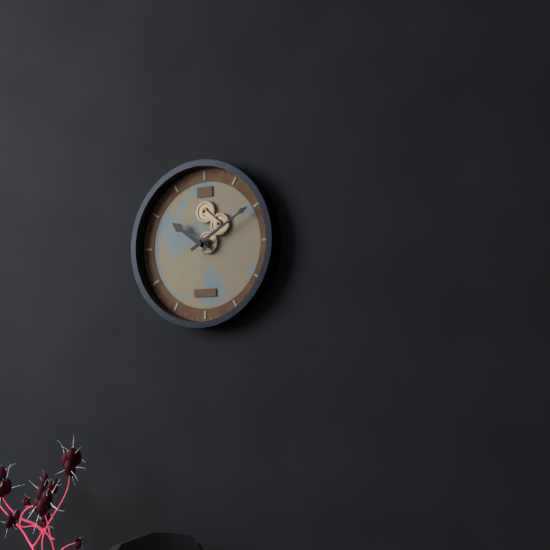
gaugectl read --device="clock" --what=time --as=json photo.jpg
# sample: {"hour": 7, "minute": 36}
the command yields {"hour": 10, "minute": 10}
